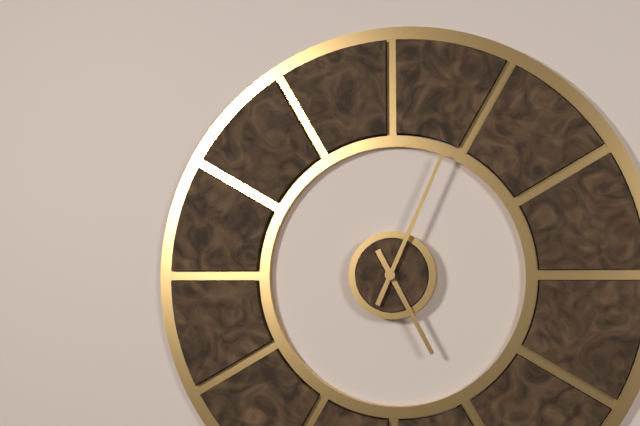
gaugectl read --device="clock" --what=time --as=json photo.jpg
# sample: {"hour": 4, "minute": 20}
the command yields {"hour": 5, "minute": 4}
